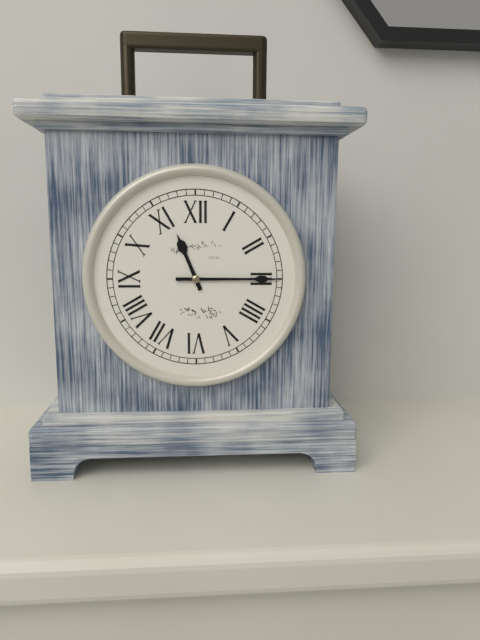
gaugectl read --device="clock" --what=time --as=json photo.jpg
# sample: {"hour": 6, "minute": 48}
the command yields {"hour": 11, "minute": 15}
